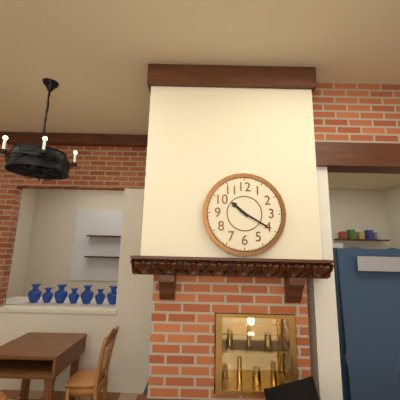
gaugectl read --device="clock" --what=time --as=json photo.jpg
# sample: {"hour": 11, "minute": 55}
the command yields {"hour": 10, "minute": 20}
